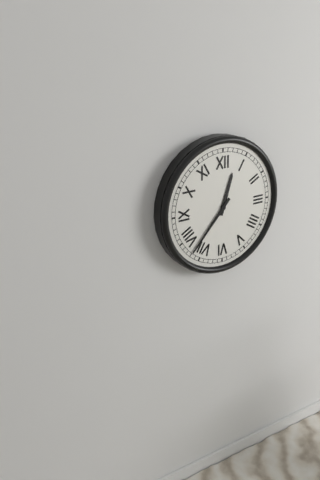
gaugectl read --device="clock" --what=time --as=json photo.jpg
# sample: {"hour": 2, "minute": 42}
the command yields {"hour": 12, "minute": 37}
